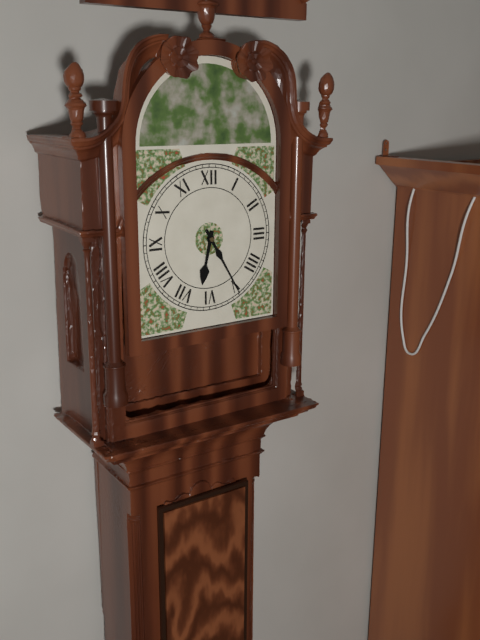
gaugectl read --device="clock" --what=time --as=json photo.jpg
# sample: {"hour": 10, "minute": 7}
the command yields {"hour": 6, "minute": 25}
